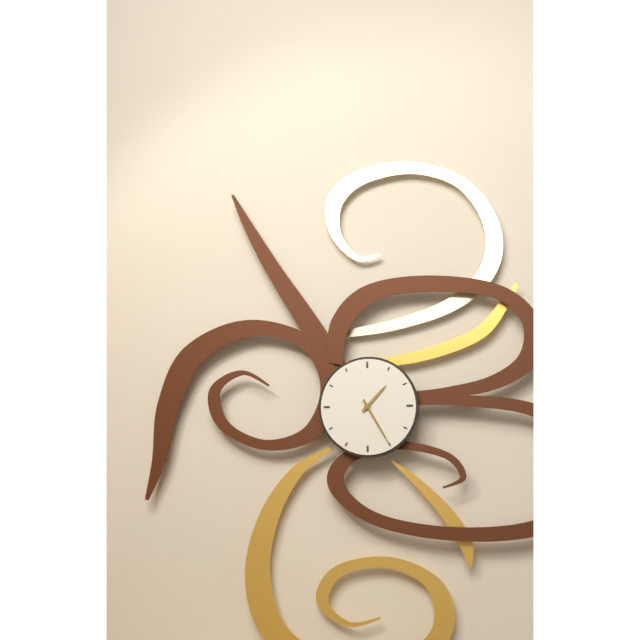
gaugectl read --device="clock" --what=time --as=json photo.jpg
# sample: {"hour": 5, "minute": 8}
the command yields {"hour": 1, "minute": 25}
